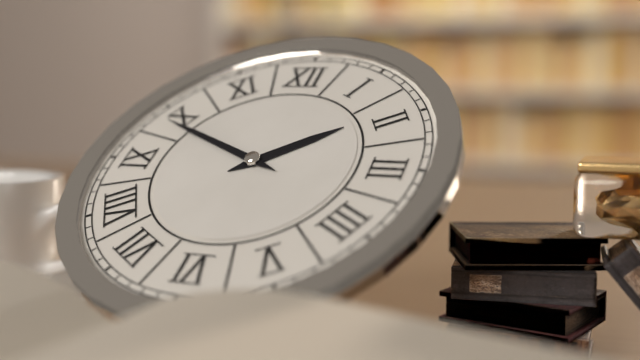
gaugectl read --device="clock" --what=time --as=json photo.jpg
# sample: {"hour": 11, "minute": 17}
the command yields {"hour": 1, "minute": 49}
